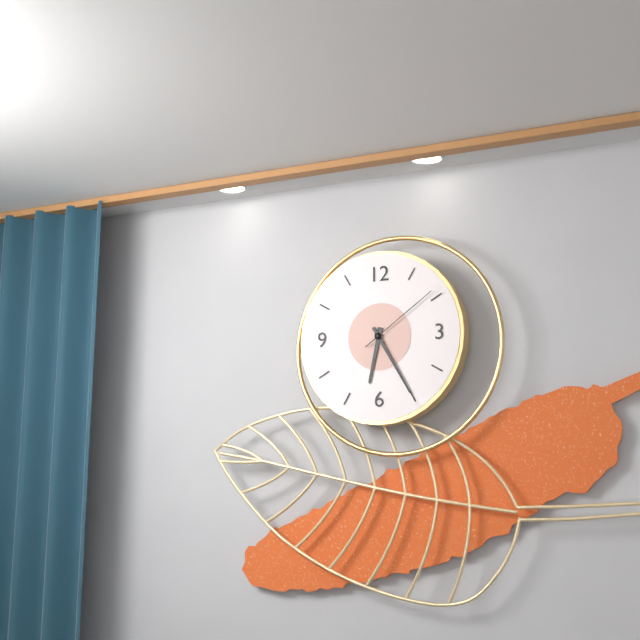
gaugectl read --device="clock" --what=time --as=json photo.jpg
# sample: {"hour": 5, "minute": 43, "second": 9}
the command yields {"hour": 6, "minute": 25, "second": 9}
